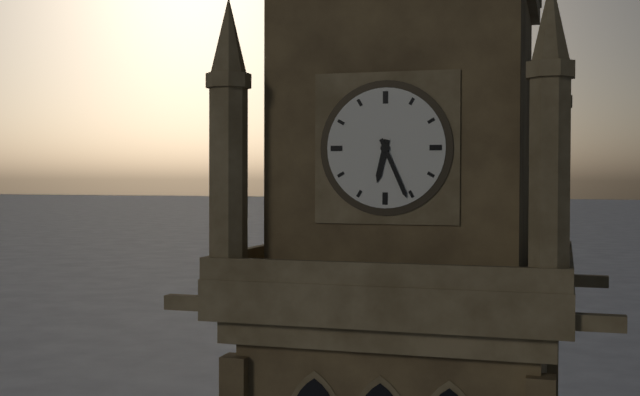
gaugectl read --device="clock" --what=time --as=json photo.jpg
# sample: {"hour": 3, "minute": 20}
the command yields {"hour": 6, "minute": 26}
